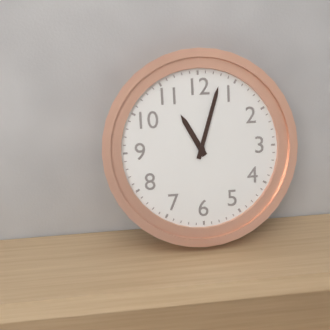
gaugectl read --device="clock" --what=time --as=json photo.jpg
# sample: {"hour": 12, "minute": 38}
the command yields {"hour": 11, "minute": 3}
